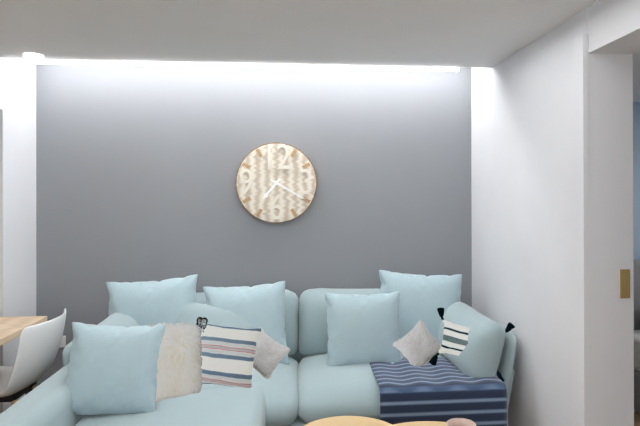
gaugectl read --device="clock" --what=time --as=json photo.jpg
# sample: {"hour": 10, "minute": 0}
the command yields {"hour": 7, "minute": 20}
